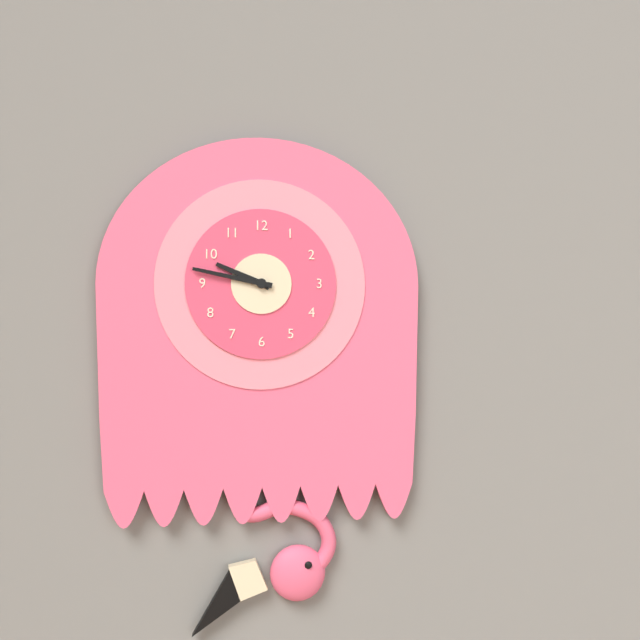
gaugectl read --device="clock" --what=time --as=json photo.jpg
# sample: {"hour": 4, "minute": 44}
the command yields {"hour": 9, "minute": 47}
